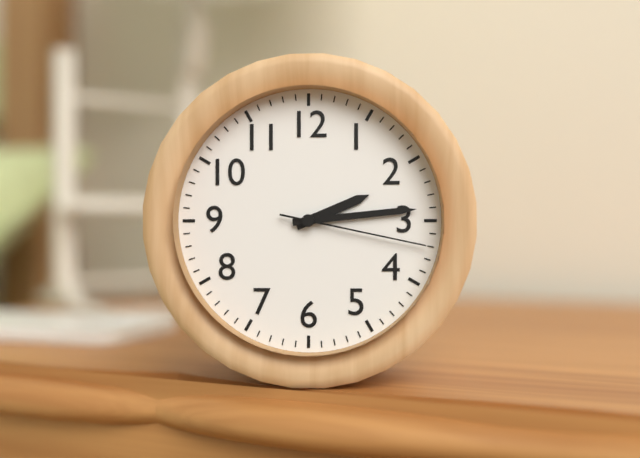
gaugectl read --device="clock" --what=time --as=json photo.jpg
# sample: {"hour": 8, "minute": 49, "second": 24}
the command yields {"hour": 2, "minute": 14, "second": 17}
